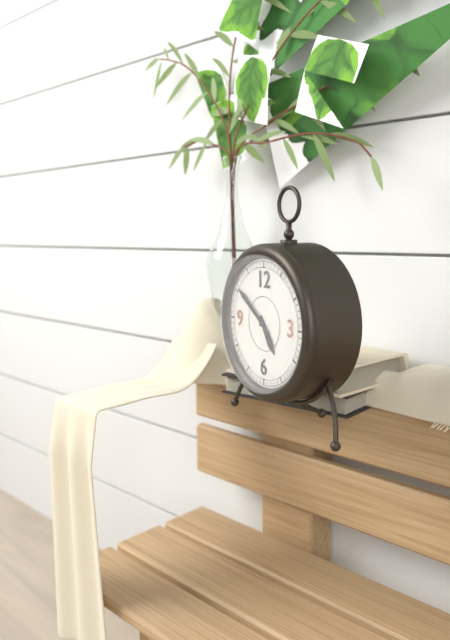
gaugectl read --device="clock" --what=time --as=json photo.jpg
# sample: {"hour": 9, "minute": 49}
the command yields {"hour": 4, "minute": 51}
